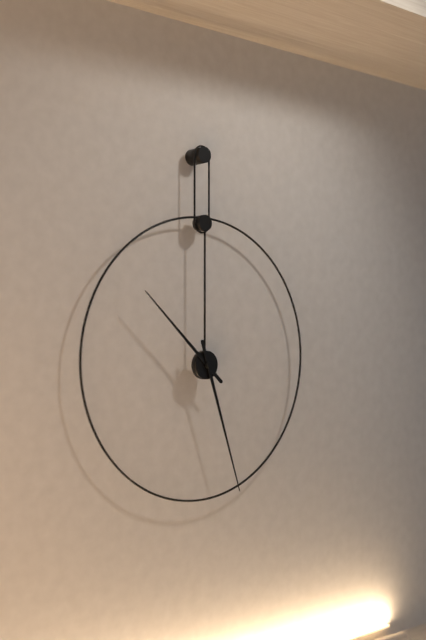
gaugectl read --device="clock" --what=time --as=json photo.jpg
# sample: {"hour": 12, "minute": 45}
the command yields {"hour": 10, "minute": 27}
